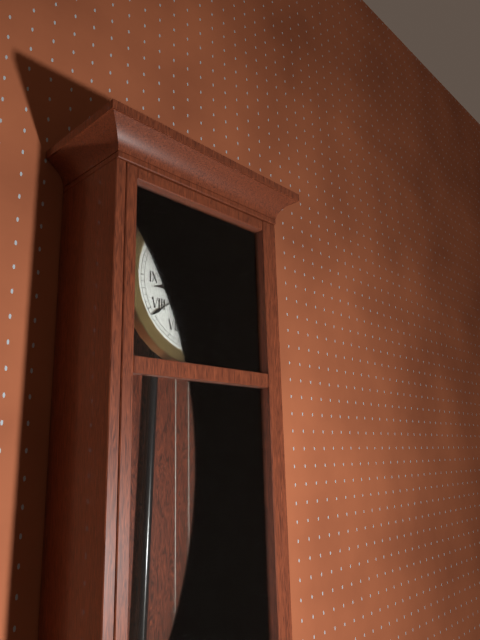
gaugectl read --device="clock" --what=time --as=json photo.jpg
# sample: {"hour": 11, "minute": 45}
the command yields {"hour": 8, "minute": 39}
